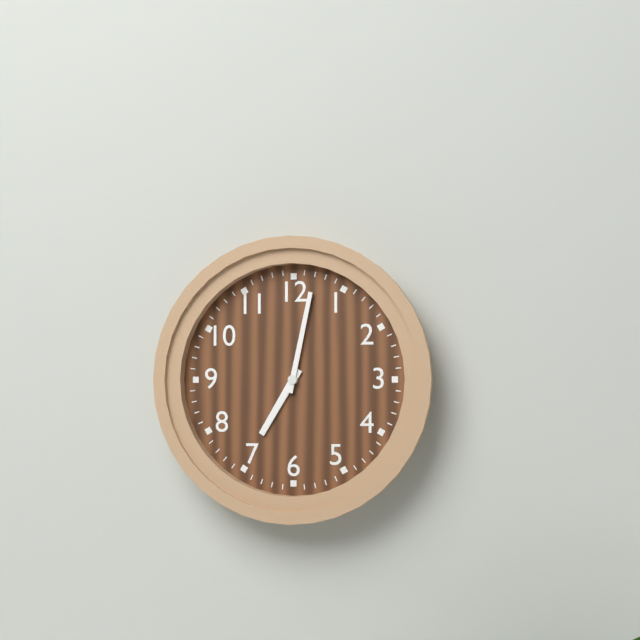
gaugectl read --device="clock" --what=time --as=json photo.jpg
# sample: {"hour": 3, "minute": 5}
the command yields {"hour": 7, "minute": 2}
